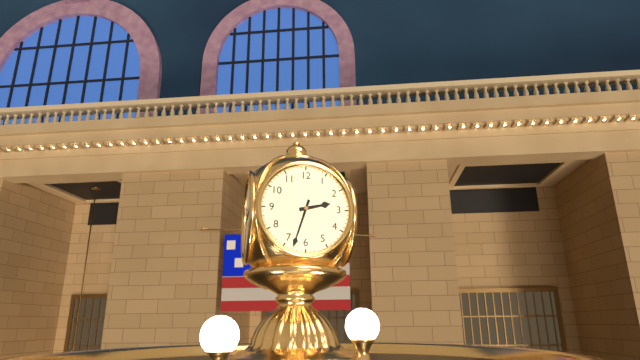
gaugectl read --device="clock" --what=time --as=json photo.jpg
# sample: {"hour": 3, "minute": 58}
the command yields {"hour": 2, "minute": 33}
